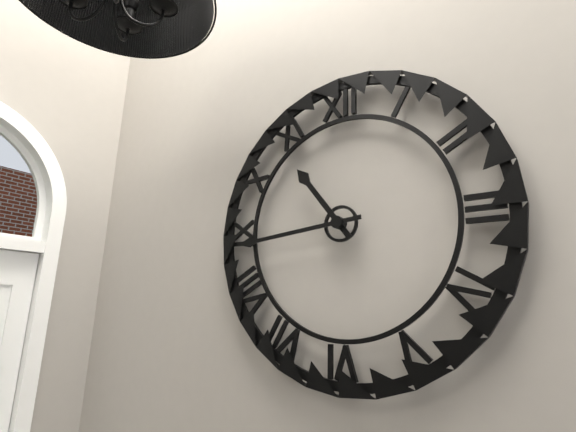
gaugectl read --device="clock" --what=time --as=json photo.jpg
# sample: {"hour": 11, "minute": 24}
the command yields {"hour": 10, "minute": 44}
